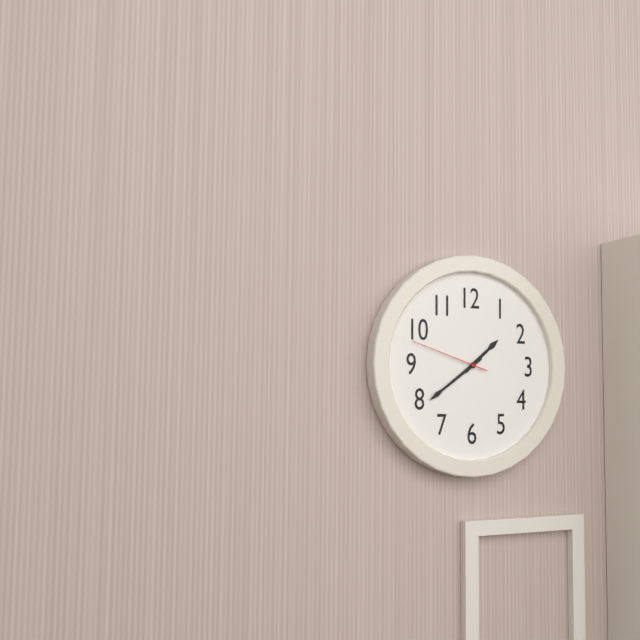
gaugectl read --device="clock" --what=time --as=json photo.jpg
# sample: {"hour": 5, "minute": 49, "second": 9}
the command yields {"hour": 1, "minute": 39, "second": 48}
